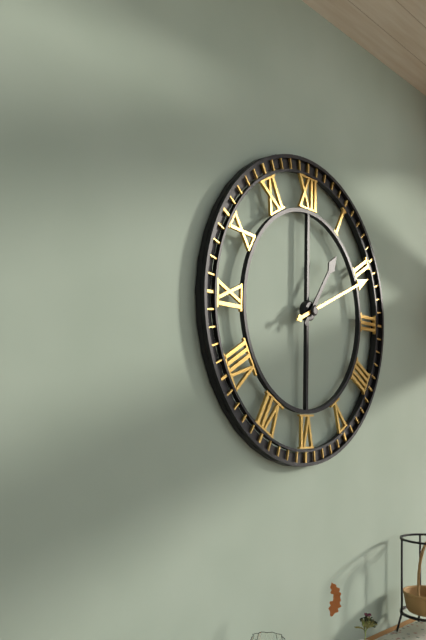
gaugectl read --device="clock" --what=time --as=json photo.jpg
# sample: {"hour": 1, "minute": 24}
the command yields {"hour": 1, "minute": 11}
